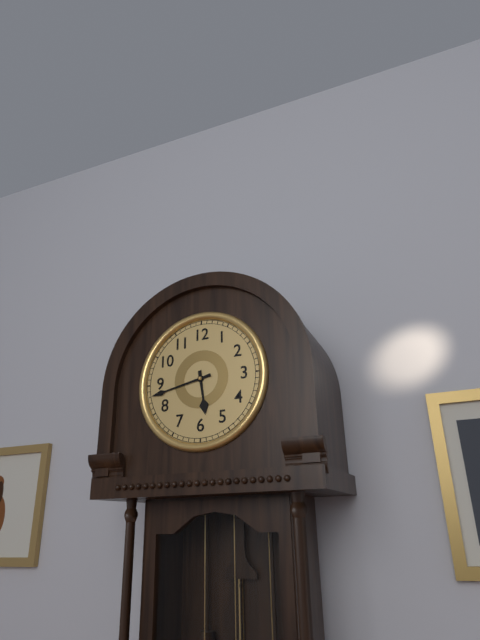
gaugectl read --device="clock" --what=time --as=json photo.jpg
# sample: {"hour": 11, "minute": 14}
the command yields {"hour": 5, "minute": 43}
